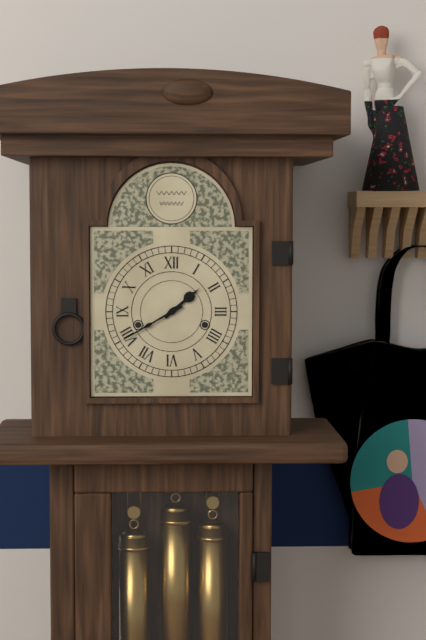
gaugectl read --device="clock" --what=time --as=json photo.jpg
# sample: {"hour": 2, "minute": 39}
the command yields {"hour": 1, "minute": 40}
